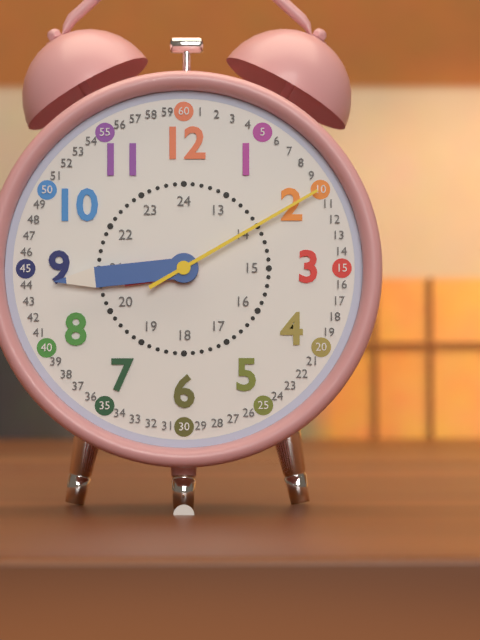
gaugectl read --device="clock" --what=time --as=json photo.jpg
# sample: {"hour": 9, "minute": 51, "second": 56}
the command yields {"hour": 8, "minute": 44, "second": 10}
